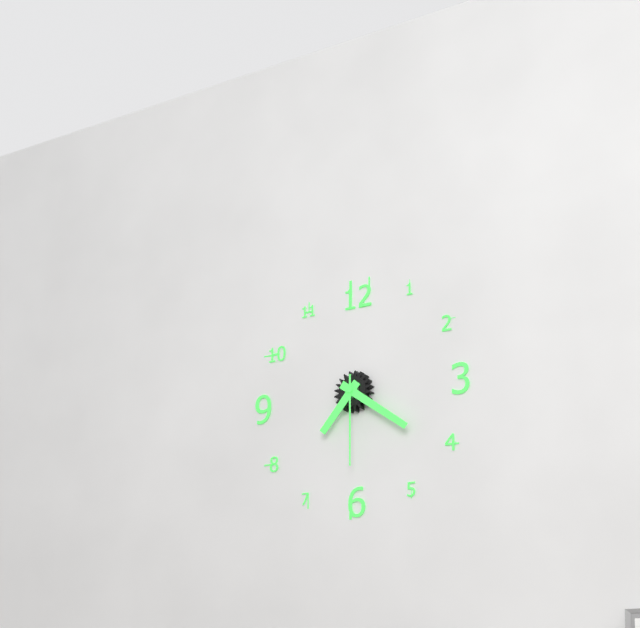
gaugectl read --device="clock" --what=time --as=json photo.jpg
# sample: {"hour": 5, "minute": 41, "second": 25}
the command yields {"hour": 7, "minute": 21, "second": 30}
